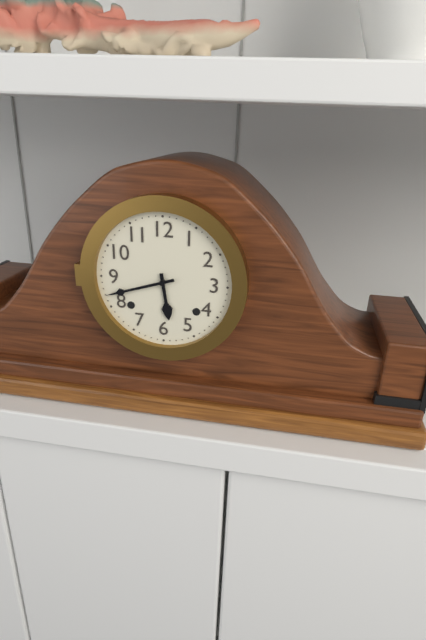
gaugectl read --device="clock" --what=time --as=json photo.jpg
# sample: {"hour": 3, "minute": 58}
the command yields {"hour": 5, "minute": 42}
